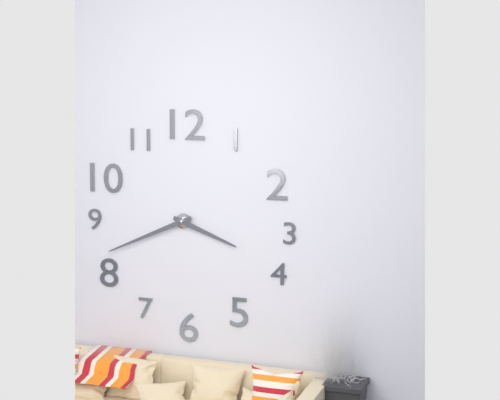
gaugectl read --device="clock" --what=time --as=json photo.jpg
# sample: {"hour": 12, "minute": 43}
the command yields {"hour": 3, "minute": 41}
